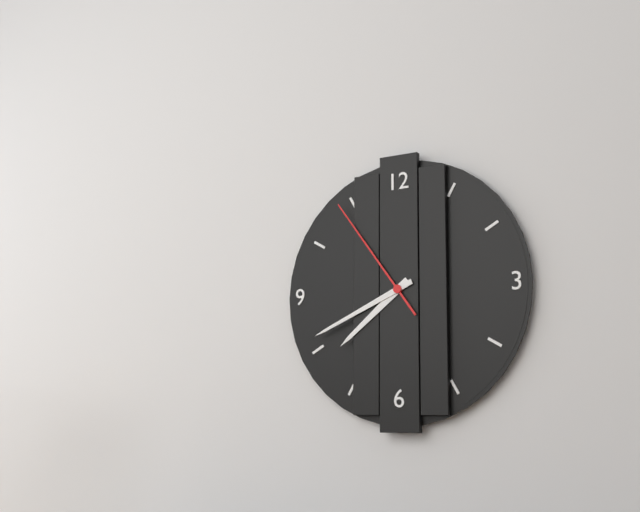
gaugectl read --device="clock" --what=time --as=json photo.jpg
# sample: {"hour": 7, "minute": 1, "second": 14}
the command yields {"hour": 7, "minute": 41, "second": 54}
